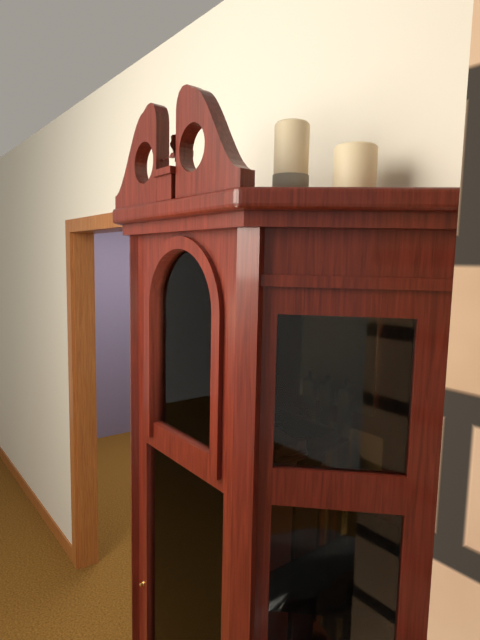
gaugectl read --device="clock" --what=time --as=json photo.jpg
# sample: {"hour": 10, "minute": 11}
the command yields {"hour": 5, "minute": 37}
